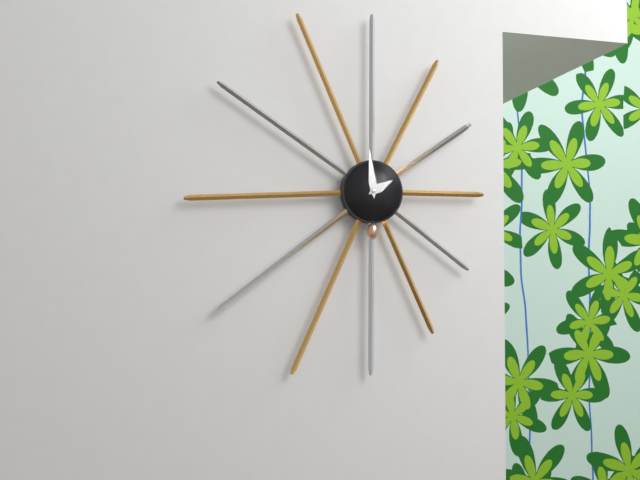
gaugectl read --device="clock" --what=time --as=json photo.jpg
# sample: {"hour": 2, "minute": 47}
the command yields {"hour": 1, "minute": 59}
